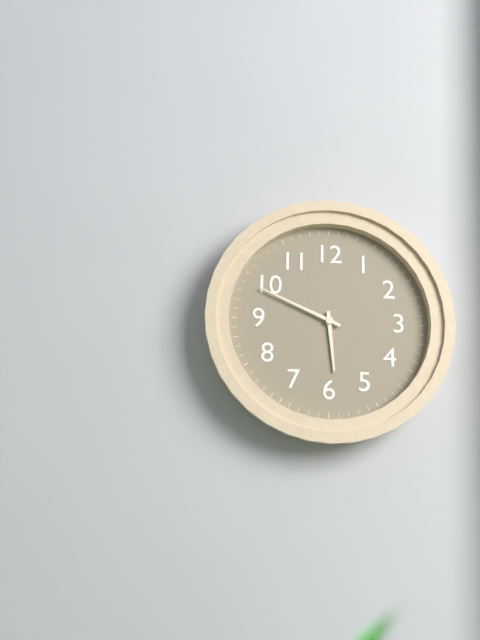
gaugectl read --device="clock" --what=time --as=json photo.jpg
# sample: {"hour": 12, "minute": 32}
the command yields {"hour": 5, "minute": 49}
